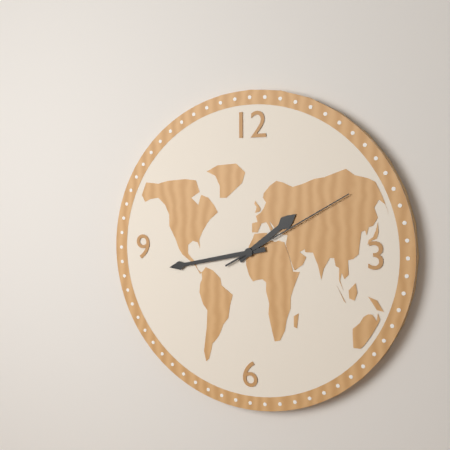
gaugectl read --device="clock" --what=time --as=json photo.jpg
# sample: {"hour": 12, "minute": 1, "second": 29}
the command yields {"hour": 1, "minute": 43, "second": 10}
